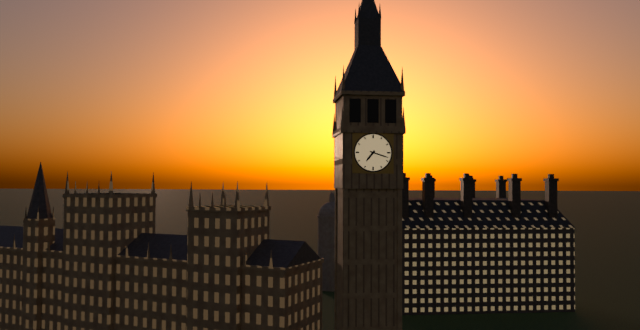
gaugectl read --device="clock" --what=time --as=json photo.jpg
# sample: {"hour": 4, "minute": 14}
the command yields {"hour": 7, "minute": 18}
